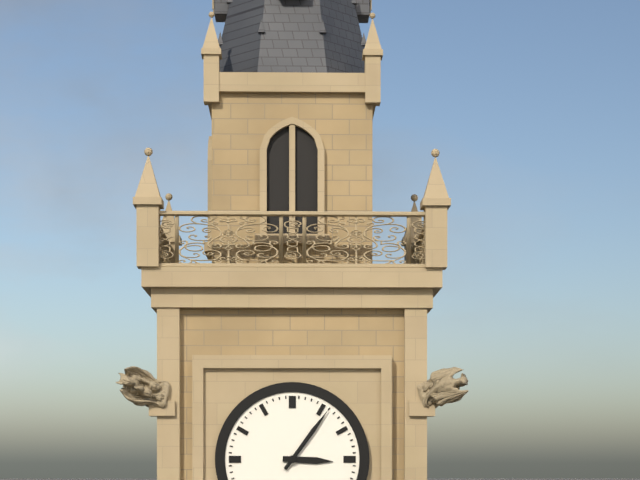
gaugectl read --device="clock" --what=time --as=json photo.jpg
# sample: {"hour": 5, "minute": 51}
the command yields {"hour": 3, "minute": 6}
